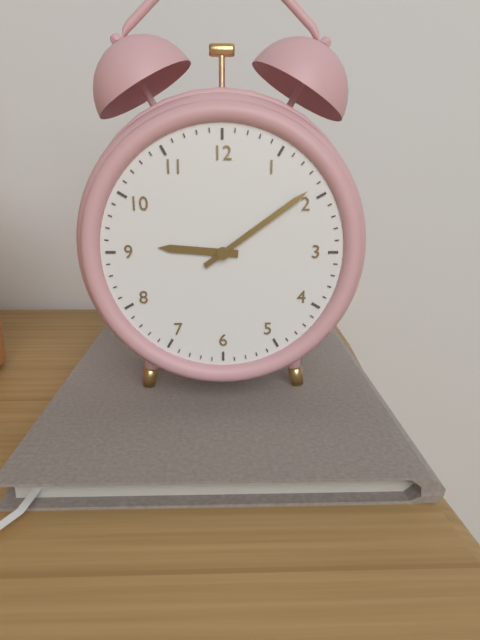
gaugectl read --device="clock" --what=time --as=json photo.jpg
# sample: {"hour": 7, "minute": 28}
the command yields {"hour": 9, "minute": 9}
